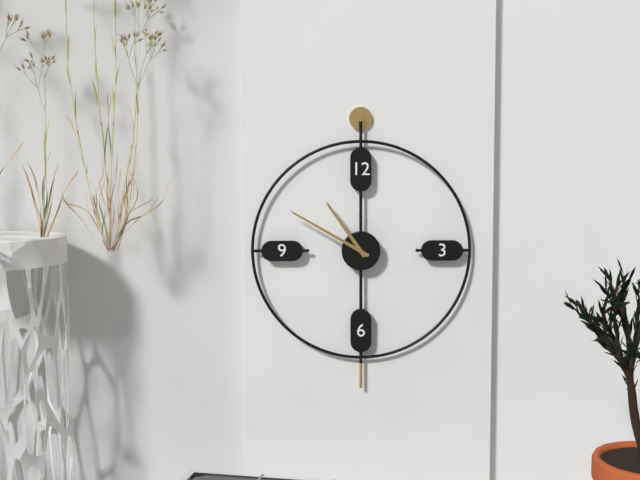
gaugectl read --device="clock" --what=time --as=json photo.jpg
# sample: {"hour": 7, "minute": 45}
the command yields {"hour": 10, "minute": 50}
